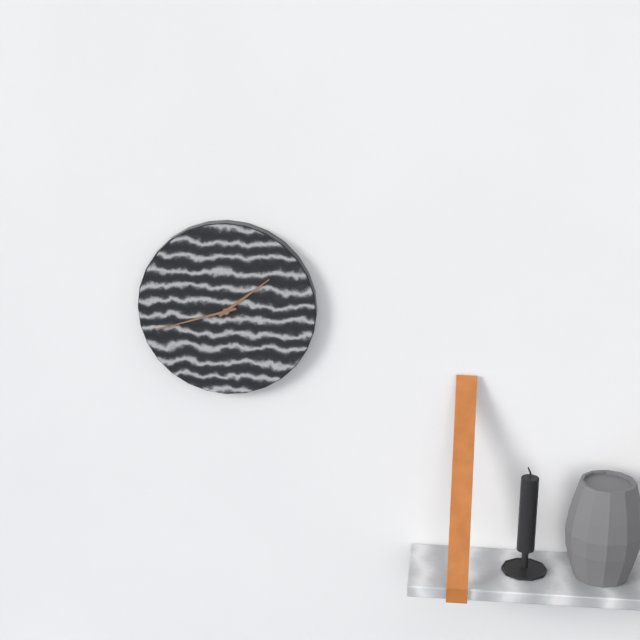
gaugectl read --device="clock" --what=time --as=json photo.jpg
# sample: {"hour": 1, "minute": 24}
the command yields {"hour": 1, "minute": 42}
